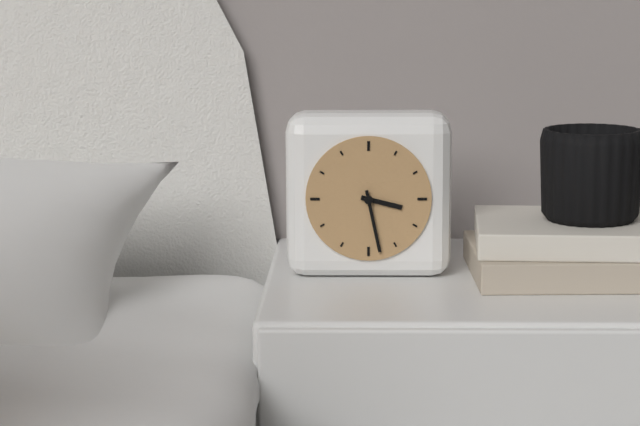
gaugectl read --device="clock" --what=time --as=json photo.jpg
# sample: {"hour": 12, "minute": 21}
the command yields {"hour": 3, "minute": 28}
